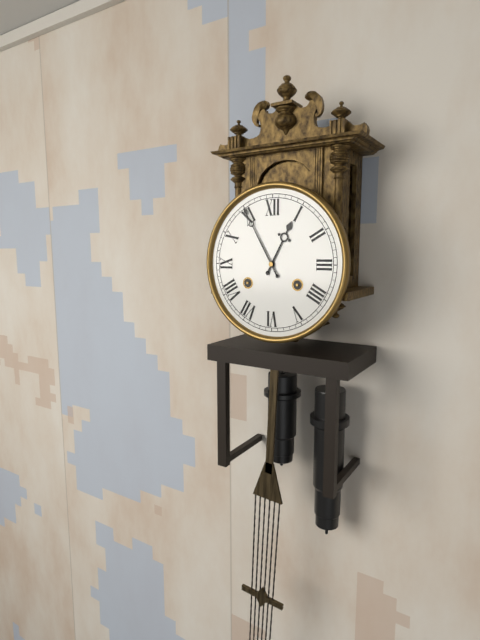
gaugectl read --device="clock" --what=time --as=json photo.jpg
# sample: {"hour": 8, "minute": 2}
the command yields {"hour": 12, "minute": 55}
